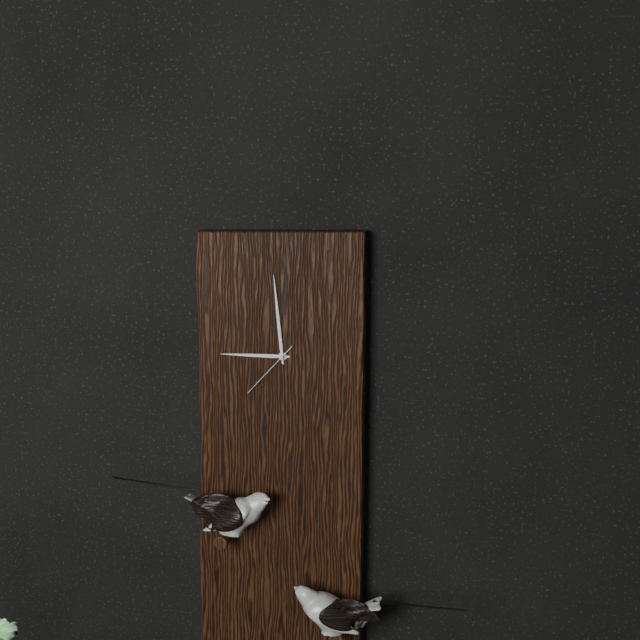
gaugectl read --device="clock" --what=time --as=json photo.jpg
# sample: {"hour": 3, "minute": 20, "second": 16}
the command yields {"hour": 8, "minute": 59, "second": 37}
